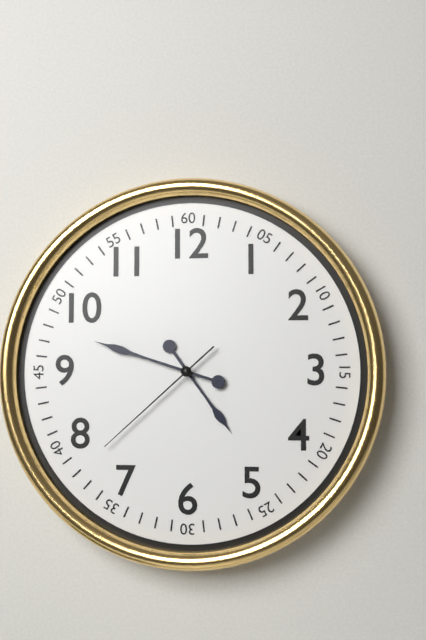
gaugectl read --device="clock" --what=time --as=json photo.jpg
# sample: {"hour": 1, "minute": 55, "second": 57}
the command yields {"hour": 4, "minute": 48, "second": 38}
